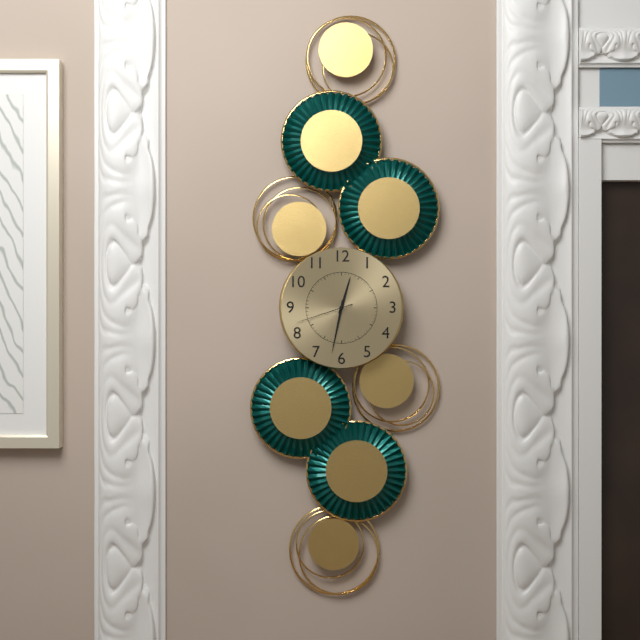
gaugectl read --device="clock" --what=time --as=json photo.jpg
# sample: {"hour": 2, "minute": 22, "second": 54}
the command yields {"hour": 12, "minute": 32, "second": 42}
